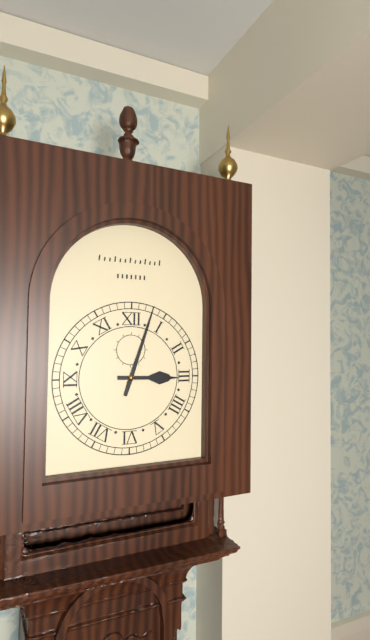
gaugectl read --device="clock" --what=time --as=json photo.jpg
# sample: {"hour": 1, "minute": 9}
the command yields {"hour": 3, "minute": 3}
